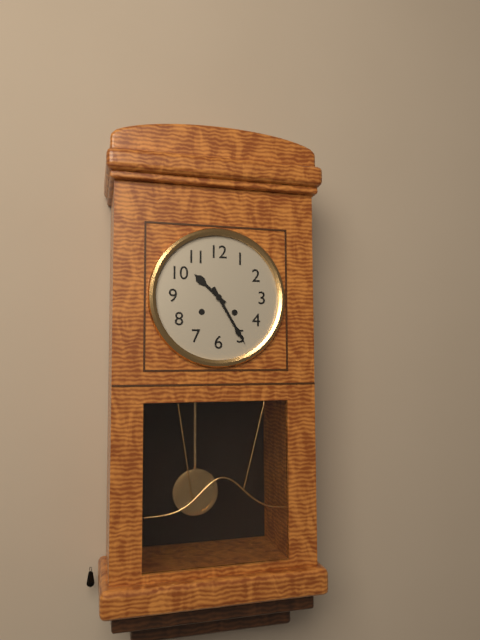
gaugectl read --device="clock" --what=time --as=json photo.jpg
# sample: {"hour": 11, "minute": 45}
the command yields {"hour": 10, "minute": 25}
